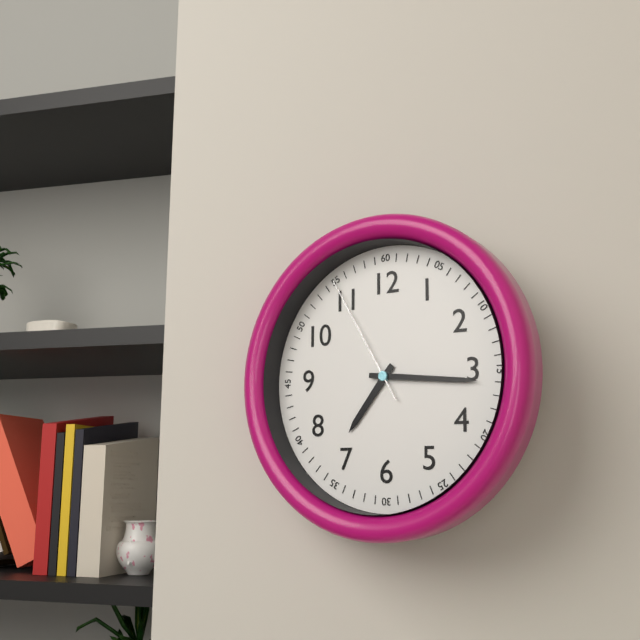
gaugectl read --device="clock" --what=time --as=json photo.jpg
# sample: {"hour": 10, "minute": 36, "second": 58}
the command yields {"hour": 7, "minute": 16, "second": 55}
